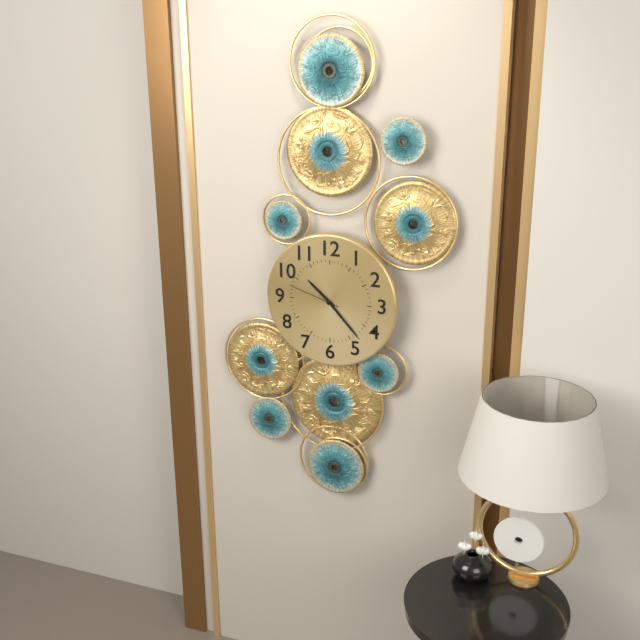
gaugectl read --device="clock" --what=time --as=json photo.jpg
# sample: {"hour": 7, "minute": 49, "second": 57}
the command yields {"hour": 10, "minute": 23, "second": 48}
